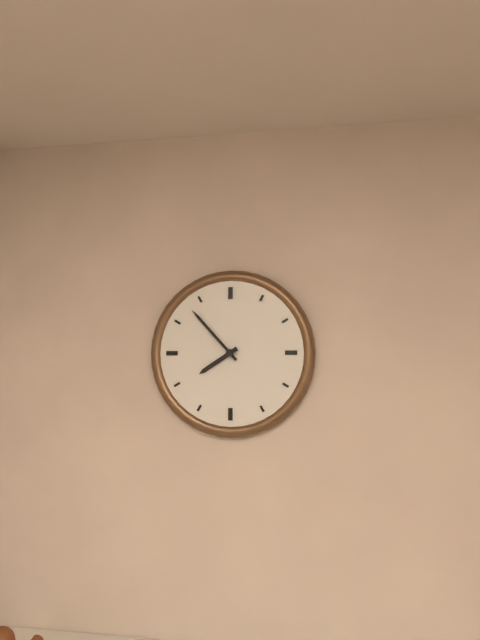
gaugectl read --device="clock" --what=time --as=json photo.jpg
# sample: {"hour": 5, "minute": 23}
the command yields {"hour": 7, "minute": 53}
